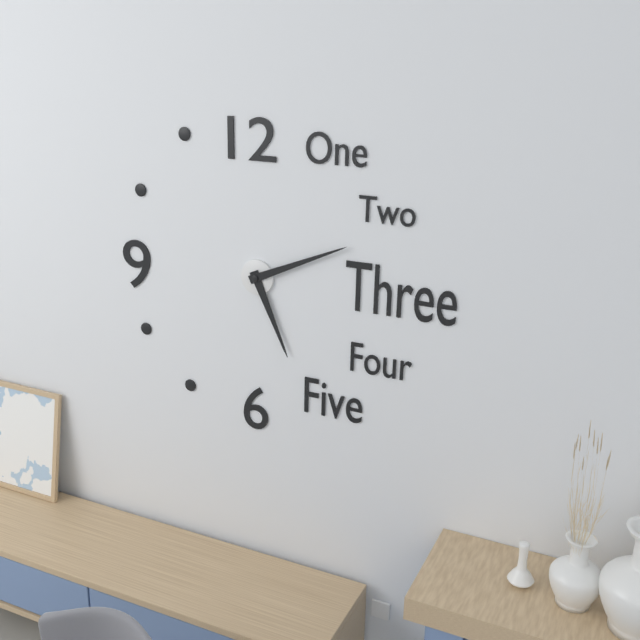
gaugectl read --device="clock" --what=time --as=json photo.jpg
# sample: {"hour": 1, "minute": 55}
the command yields {"hour": 5, "minute": 11}
